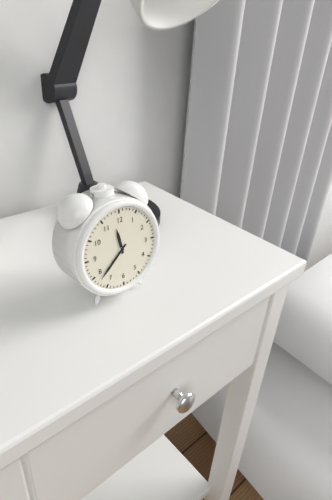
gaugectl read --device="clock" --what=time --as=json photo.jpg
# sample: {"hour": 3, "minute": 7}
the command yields {"hour": 11, "minute": 38}
